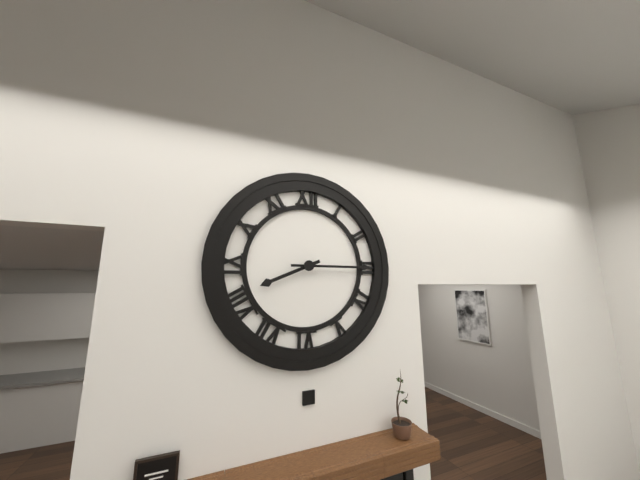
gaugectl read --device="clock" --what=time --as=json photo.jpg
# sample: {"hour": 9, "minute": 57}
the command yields {"hour": 8, "minute": 15}
